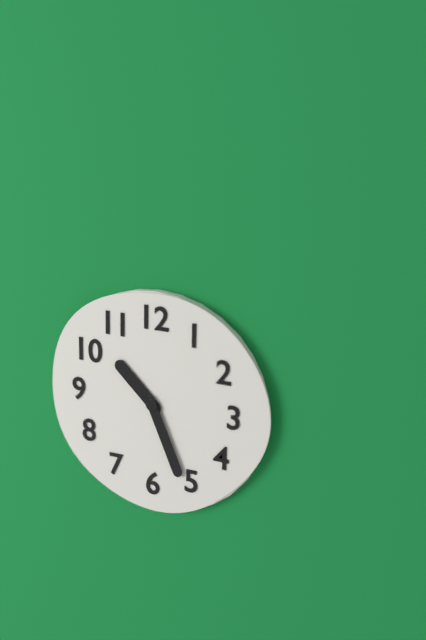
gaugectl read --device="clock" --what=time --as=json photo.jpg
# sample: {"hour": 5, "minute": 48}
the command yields {"hour": 10, "minute": 26}
